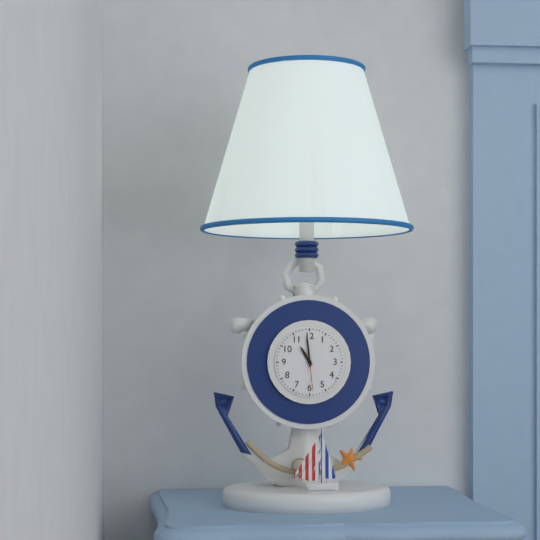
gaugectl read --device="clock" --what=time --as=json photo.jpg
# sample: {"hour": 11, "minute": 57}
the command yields {"hour": 10, "minute": 59}
